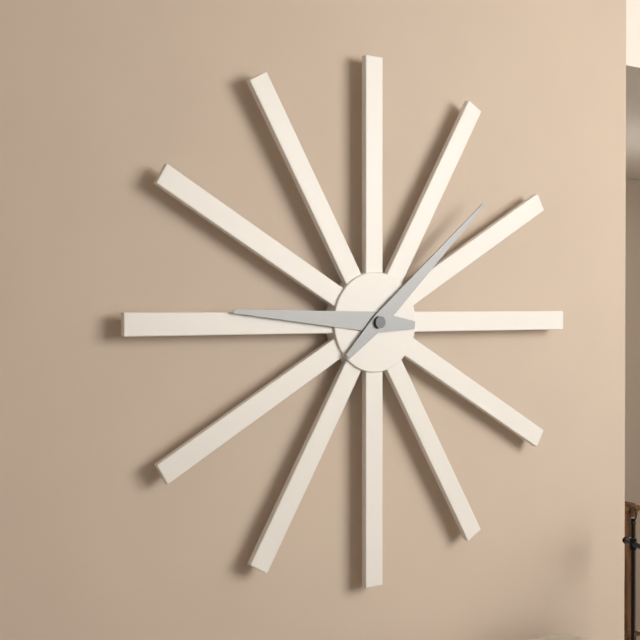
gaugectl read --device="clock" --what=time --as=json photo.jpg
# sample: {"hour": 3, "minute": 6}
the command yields {"hour": 9, "minute": 8}
